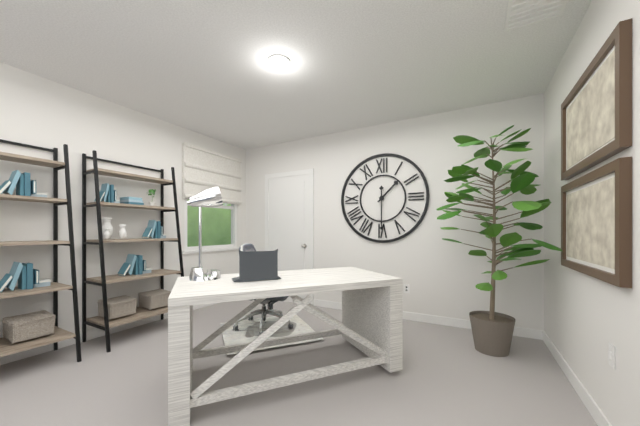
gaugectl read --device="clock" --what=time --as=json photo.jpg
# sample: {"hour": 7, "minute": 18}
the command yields {"hour": 1, "minute": 30}
